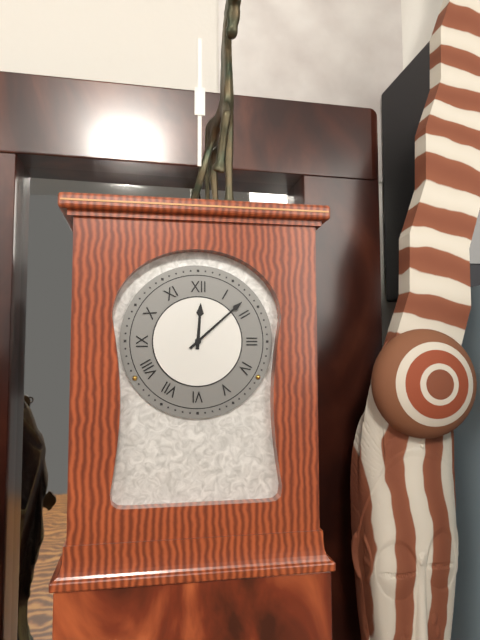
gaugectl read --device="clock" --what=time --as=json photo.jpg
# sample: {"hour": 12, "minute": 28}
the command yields {"hour": 12, "minute": 8}
